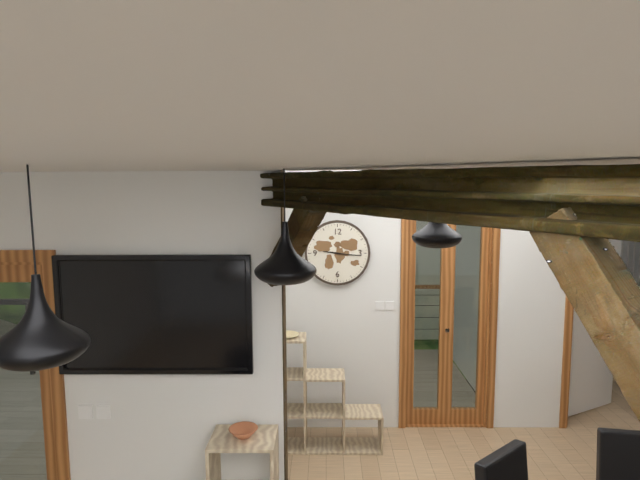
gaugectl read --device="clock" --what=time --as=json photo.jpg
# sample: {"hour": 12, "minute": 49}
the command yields {"hour": 9, "minute": 16}
